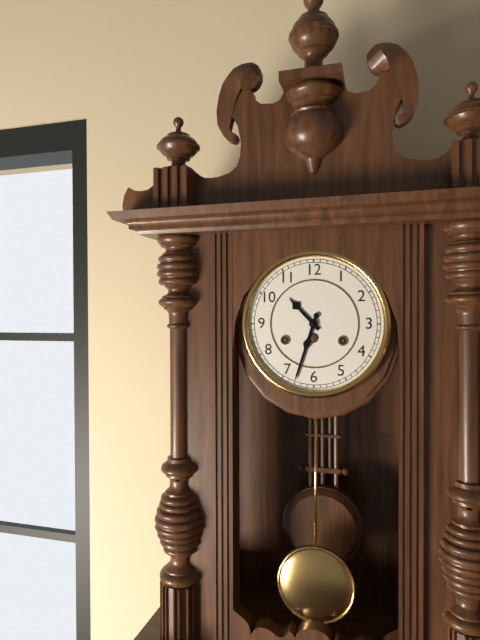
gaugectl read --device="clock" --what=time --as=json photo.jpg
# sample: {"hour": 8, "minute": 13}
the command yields {"hour": 10, "minute": 33}
